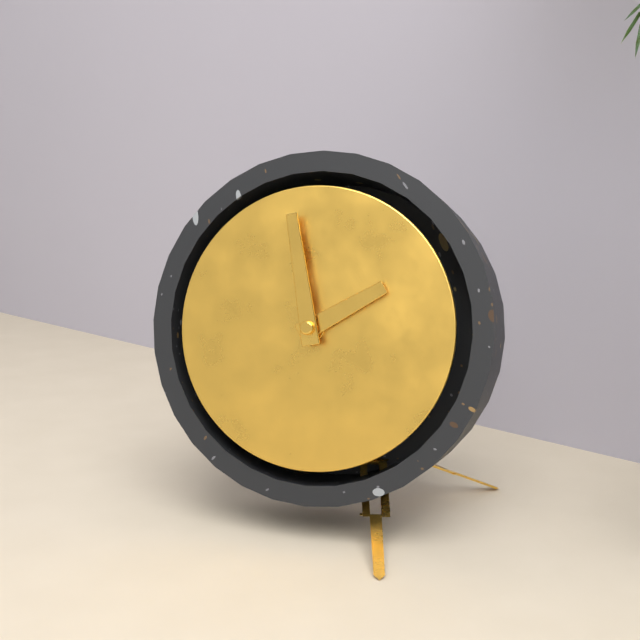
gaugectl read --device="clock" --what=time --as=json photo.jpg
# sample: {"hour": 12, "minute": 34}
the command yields {"hour": 1, "minute": 58}
